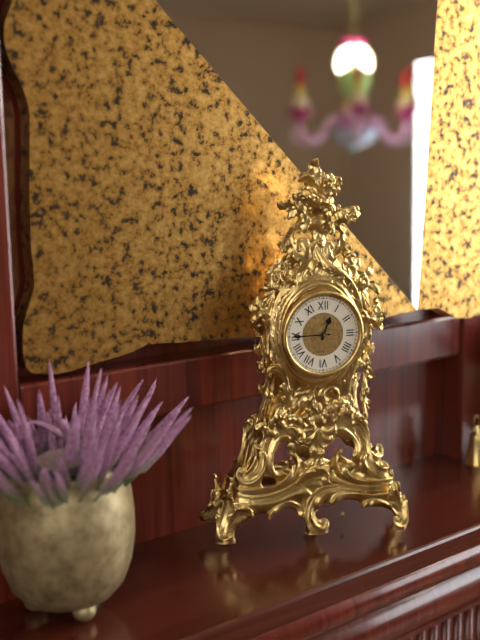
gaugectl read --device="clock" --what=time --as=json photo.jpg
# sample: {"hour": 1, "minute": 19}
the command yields {"hour": 12, "minute": 45}
